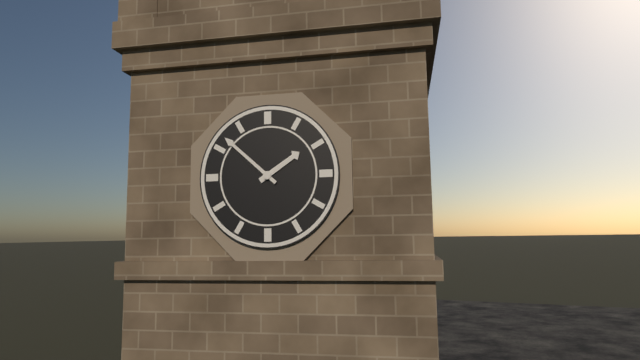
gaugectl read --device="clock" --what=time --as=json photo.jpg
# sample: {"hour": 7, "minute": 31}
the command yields {"hour": 1, "minute": 52}
